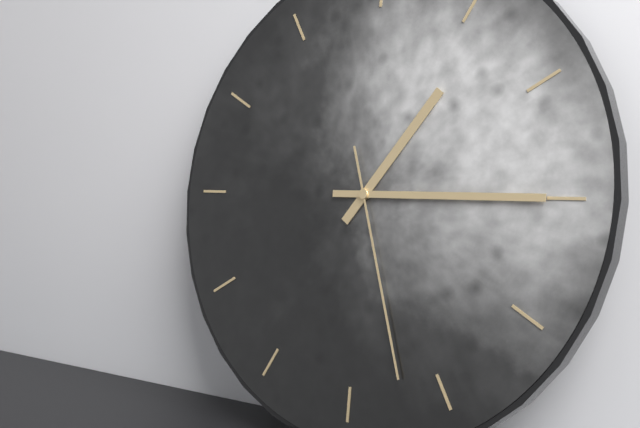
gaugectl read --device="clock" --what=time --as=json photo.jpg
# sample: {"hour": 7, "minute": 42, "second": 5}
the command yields {"hour": 1, "minute": 15, "second": 27}
